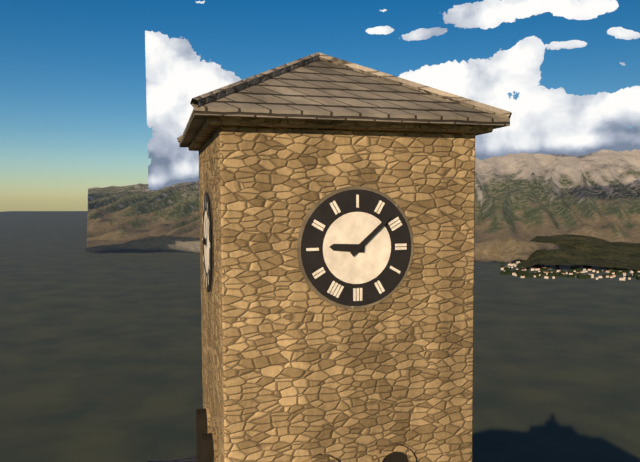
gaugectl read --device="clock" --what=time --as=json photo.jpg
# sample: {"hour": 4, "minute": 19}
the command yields {"hour": 9, "minute": 8}
